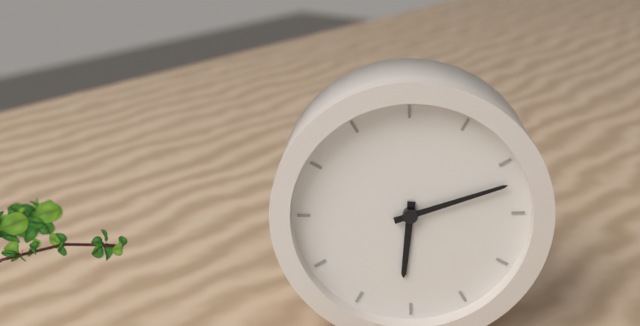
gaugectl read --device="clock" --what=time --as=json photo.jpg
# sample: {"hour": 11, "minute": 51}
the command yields {"hour": 6, "minute": 12}
